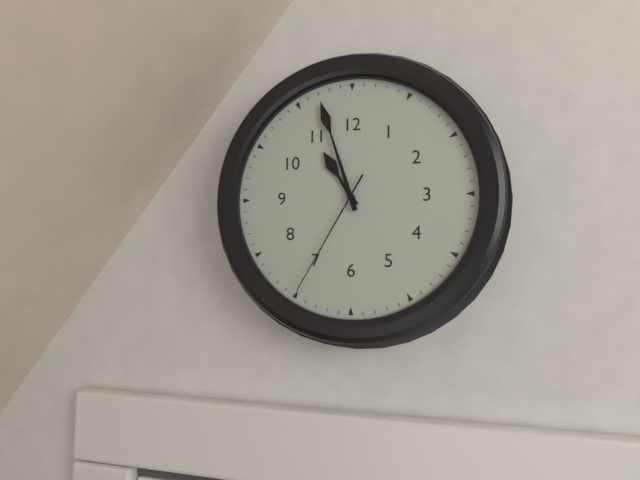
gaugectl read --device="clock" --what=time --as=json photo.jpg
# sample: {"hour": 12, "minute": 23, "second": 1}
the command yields {"hour": 10, "minute": 57, "second": 35}
